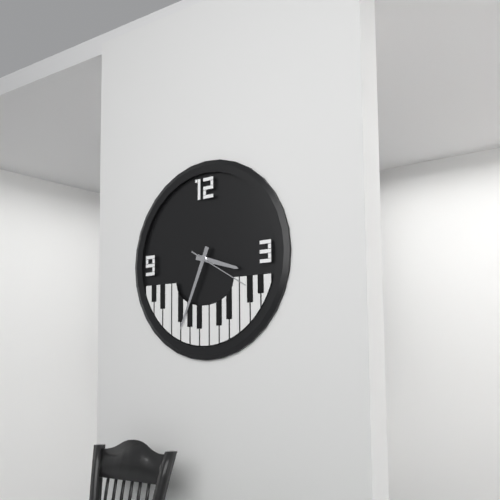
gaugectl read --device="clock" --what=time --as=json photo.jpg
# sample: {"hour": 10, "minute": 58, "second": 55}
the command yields {"hour": 3, "minute": 34, "second": 20}
